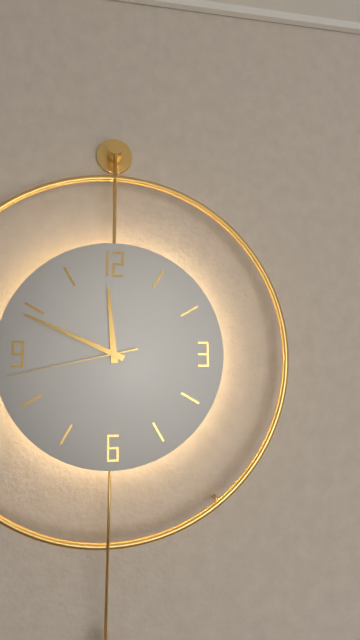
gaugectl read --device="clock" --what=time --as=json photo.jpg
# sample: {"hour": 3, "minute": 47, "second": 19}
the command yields {"hour": 11, "minute": 49, "second": 43}
